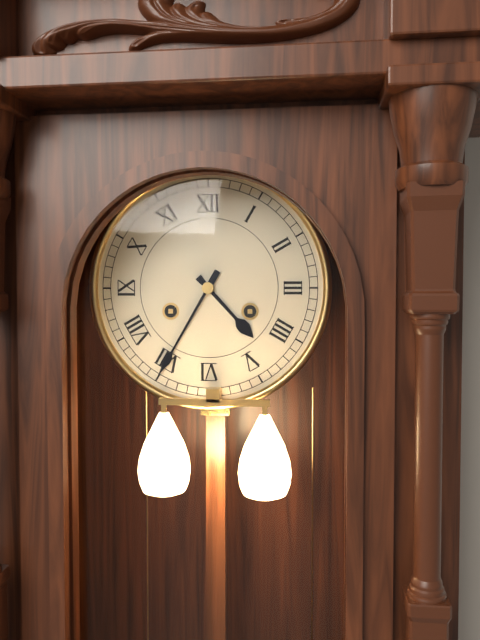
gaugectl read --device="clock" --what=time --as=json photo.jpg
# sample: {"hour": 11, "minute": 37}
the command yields {"hour": 4, "minute": 35}
